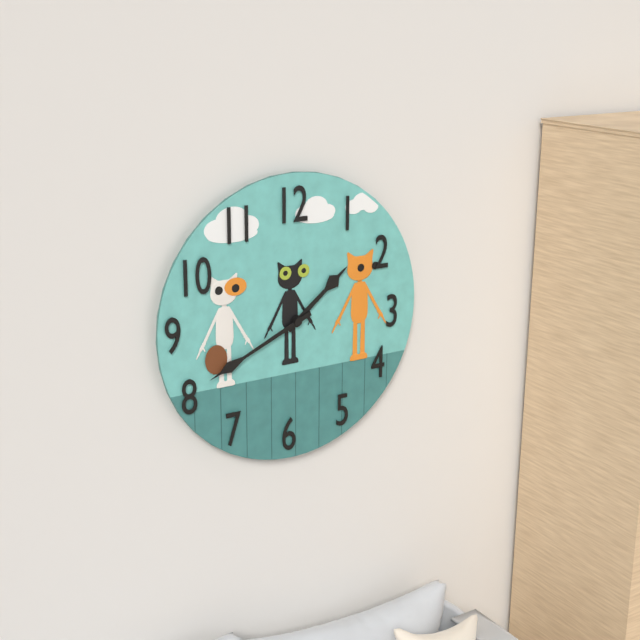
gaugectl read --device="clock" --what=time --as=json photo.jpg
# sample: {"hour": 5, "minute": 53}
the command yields {"hour": 1, "minute": 41}
